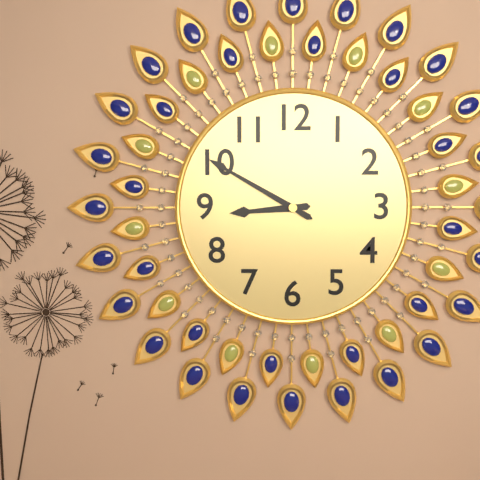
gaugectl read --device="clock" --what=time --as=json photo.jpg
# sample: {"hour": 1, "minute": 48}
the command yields {"hour": 8, "minute": 50}
